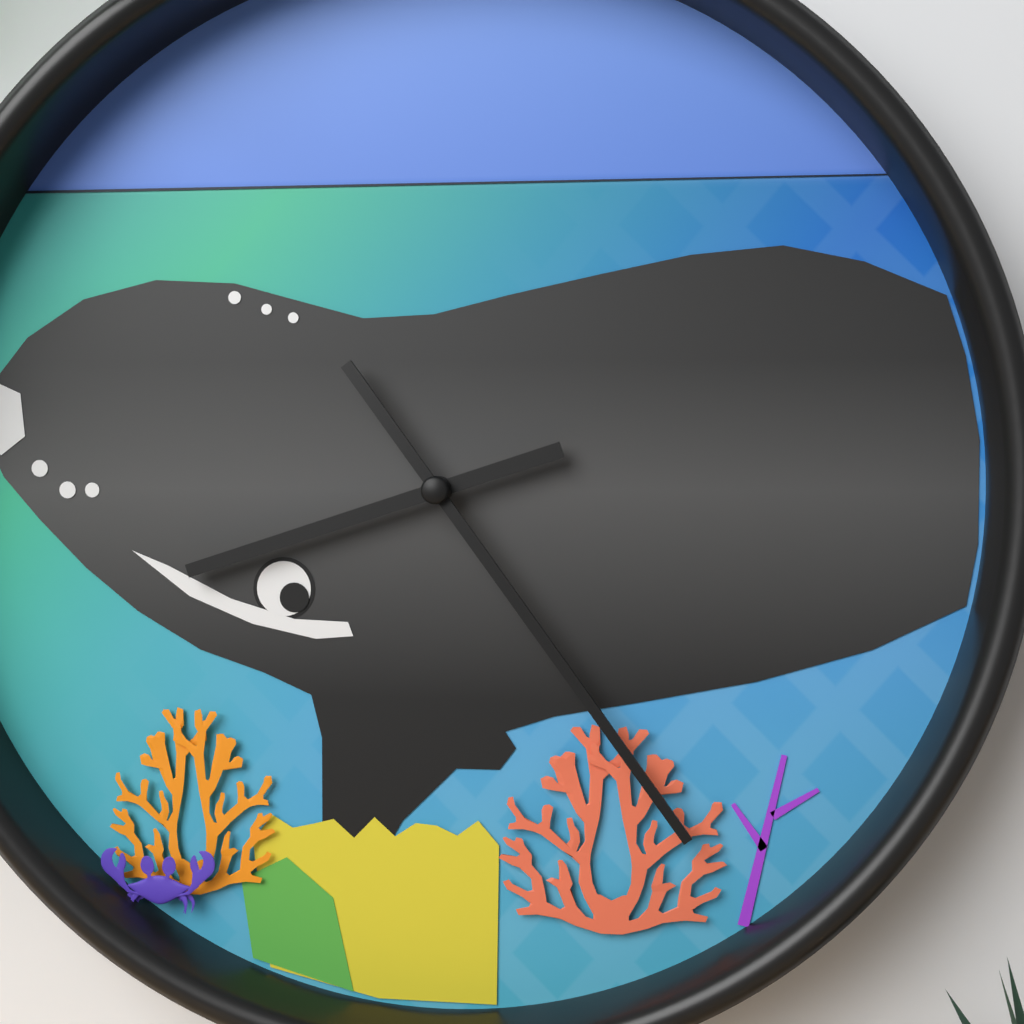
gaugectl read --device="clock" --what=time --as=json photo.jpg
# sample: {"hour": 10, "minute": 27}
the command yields {"hour": 8, "minute": 24}
